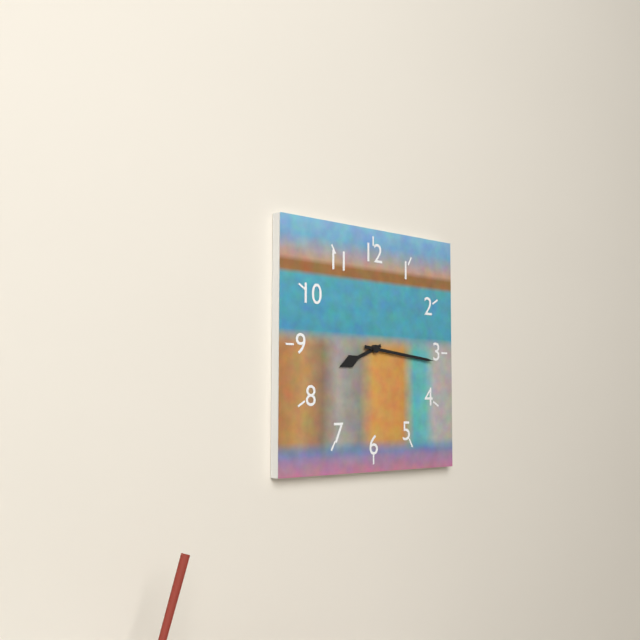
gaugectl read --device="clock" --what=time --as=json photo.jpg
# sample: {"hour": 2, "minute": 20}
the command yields {"hour": 8, "minute": 16}
